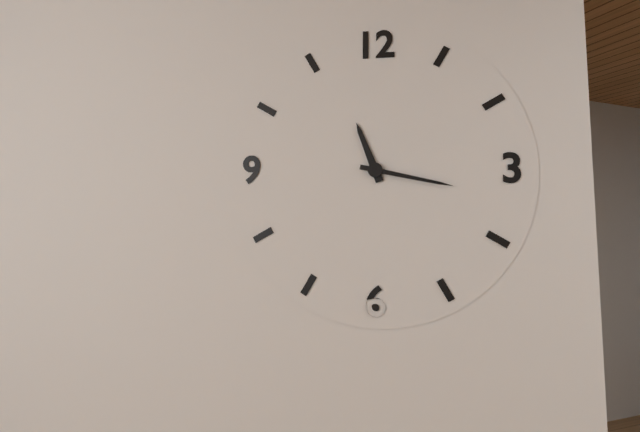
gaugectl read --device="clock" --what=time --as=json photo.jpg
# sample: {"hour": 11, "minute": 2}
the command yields {"hour": 11, "minute": 17}
